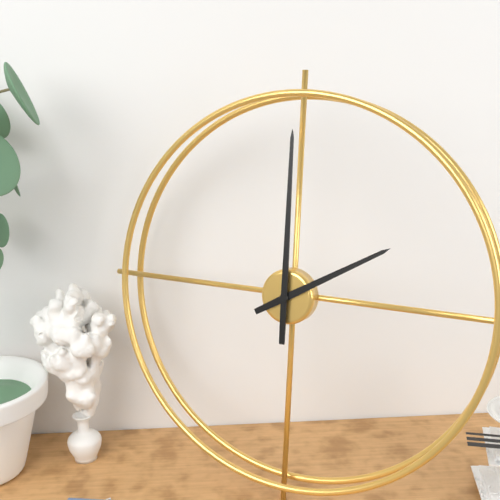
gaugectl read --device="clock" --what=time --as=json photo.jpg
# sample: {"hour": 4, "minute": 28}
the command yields {"hour": 2, "minute": 0}
